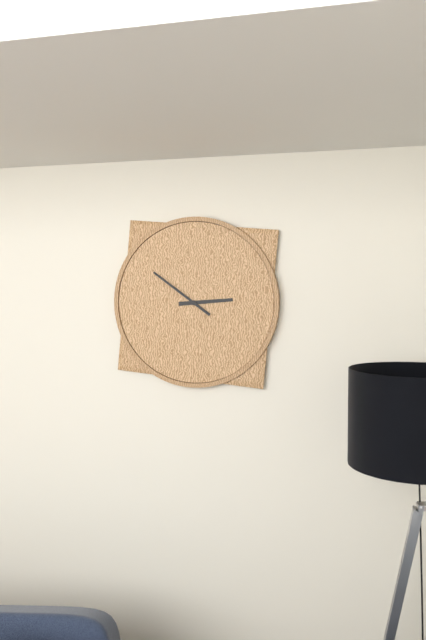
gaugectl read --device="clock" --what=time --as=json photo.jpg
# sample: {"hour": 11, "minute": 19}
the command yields {"hour": 2, "minute": 51}
